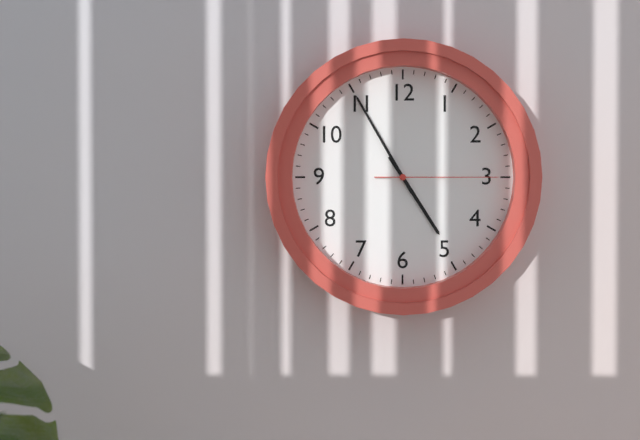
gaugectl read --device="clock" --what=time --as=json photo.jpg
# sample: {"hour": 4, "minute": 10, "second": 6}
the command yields {"hour": 4, "minute": 55, "second": 15}
